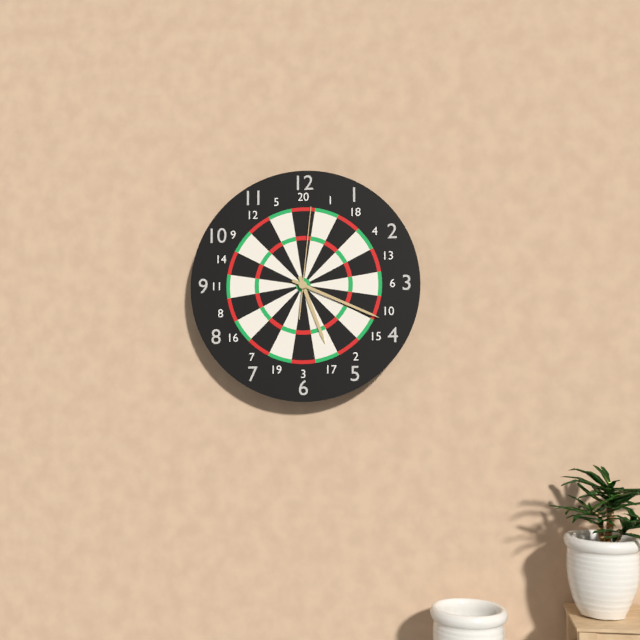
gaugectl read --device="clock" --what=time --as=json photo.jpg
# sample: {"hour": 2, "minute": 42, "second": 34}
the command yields {"hour": 5, "minute": 19, "second": 1}
